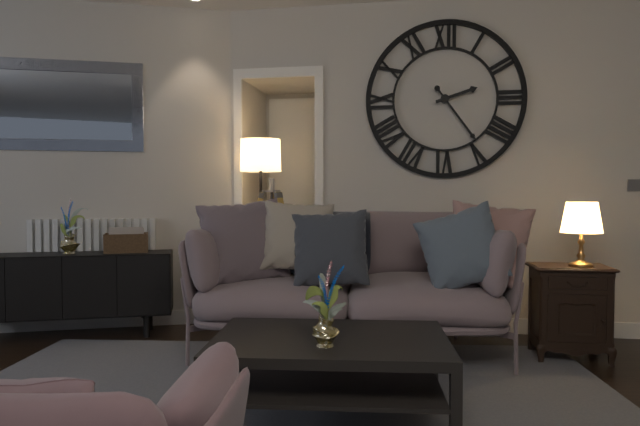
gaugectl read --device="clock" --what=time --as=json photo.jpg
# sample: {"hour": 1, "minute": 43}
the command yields {"hour": 2, "minute": 24}
